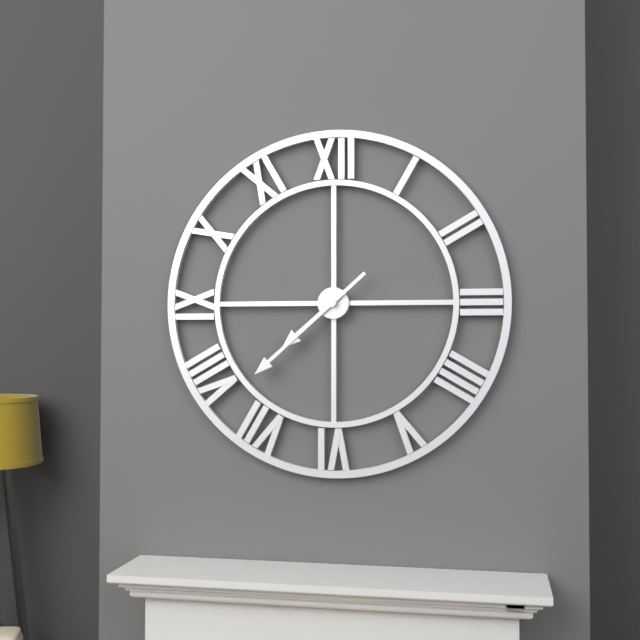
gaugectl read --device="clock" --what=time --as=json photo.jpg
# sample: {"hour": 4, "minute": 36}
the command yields {"hour": 7, "minute": 38}
